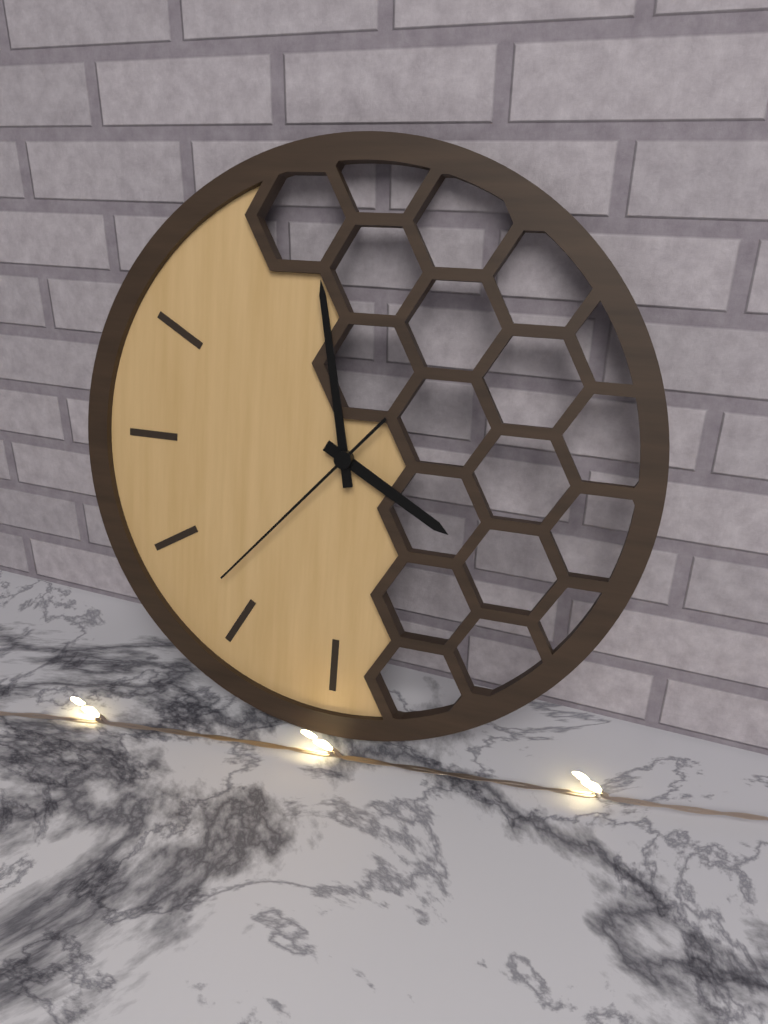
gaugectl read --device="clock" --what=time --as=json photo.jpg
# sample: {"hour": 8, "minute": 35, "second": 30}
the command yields {"hour": 3, "minute": 58, "second": 37}
